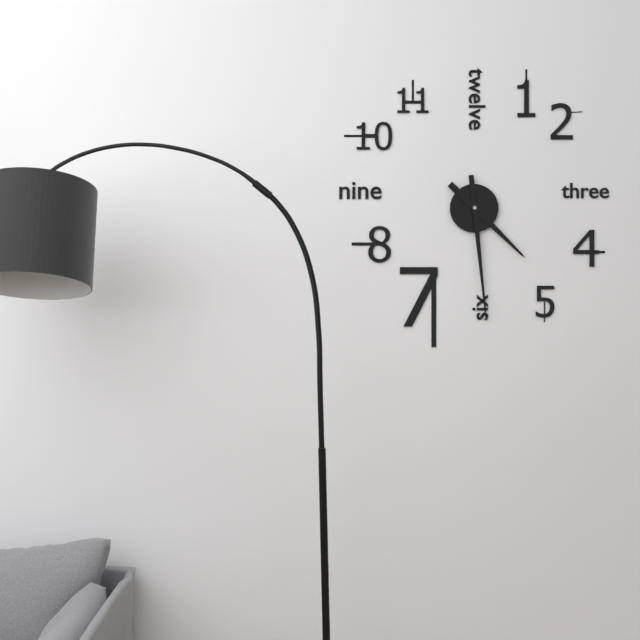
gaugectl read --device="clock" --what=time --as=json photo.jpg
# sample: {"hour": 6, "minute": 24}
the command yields {"hour": 4, "minute": 29}
